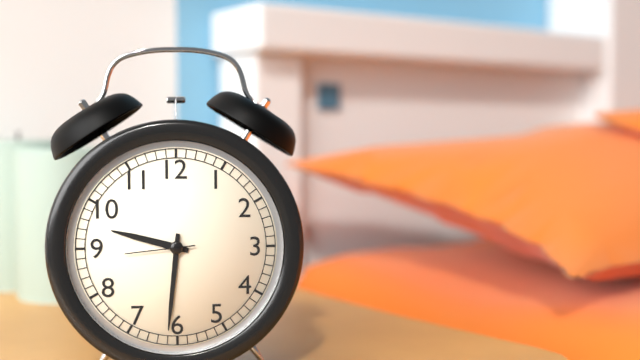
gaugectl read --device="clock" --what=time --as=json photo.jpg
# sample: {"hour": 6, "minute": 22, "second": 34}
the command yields {"hour": 9, "minute": 31, "second": 44}
